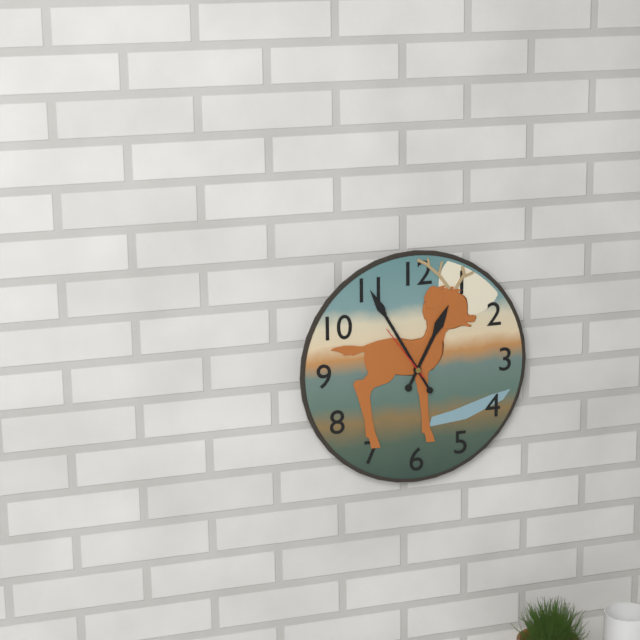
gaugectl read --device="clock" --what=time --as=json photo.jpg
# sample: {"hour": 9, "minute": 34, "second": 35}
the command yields {"hour": 12, "minute": 55, "second": 54}
